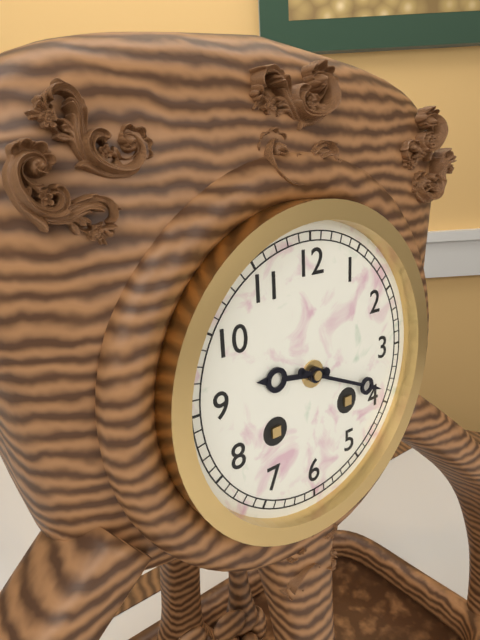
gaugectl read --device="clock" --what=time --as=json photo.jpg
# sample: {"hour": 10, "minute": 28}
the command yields {"hour": 9, "minute": 19}
